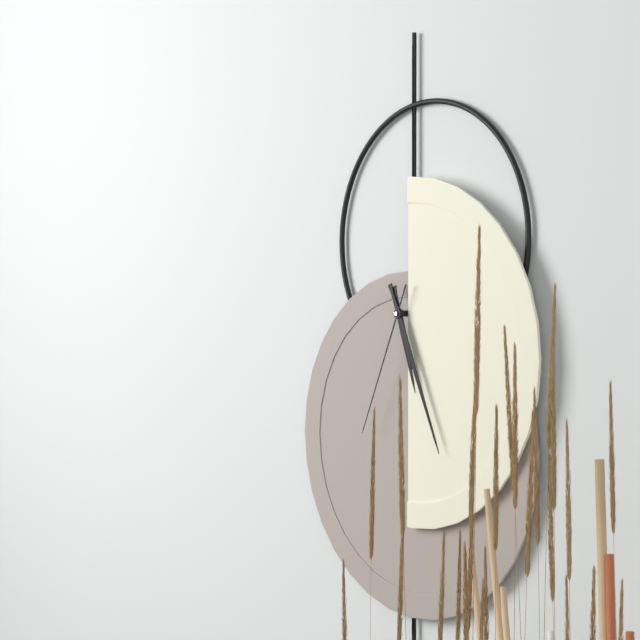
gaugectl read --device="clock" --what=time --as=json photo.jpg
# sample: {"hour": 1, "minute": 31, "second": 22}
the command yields {"hour": 5, "minute": 26, "second": 34}
